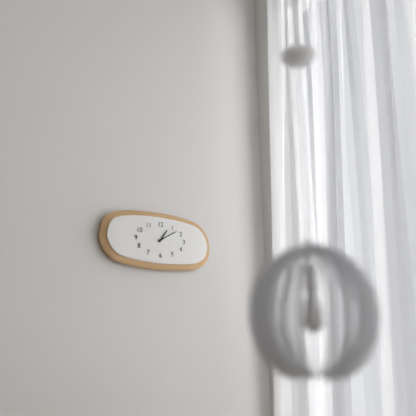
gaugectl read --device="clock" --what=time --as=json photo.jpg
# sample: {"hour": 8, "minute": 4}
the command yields {"hour": 1, "minute": 10}
